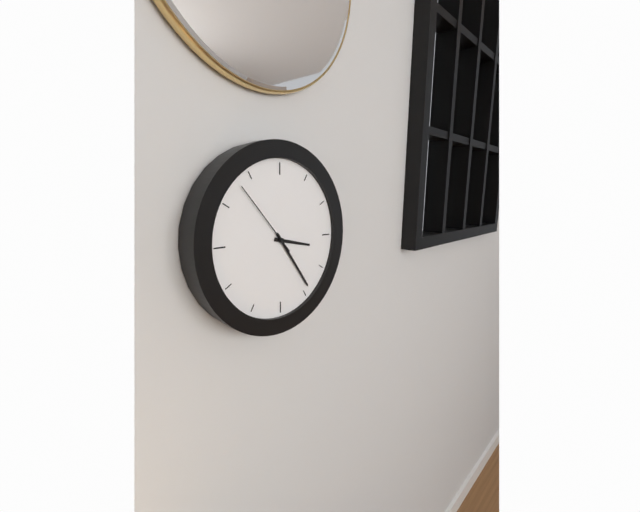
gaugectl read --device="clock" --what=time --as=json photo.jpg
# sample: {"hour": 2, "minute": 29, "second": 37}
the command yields {"hour": 3, "minute": 24, "second": 53}
